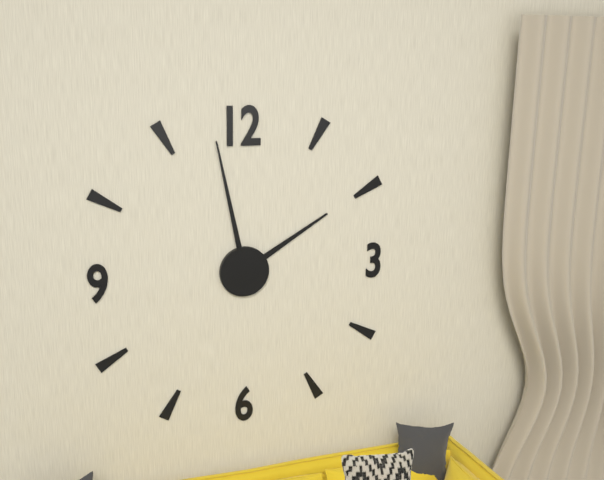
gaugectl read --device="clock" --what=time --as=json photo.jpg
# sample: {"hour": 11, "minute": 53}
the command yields {"hour": 1, "minute": 58}
